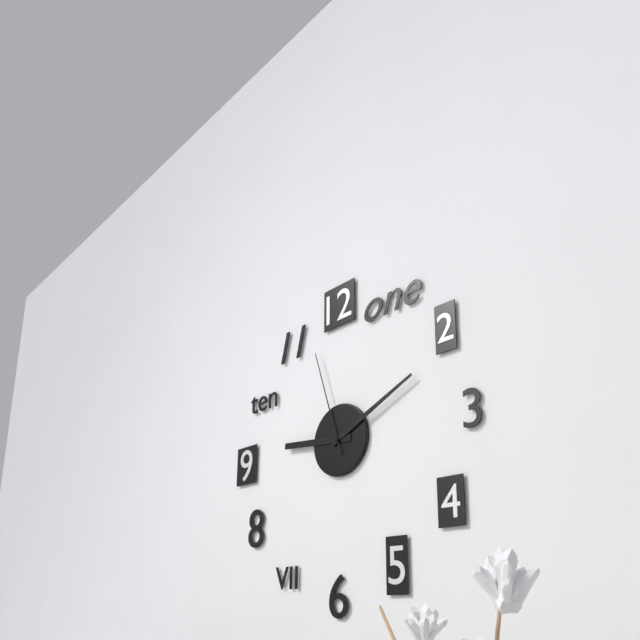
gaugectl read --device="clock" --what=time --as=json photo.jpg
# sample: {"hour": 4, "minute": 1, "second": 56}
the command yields {"hour": 9, "minute": 11, "second": 57}
